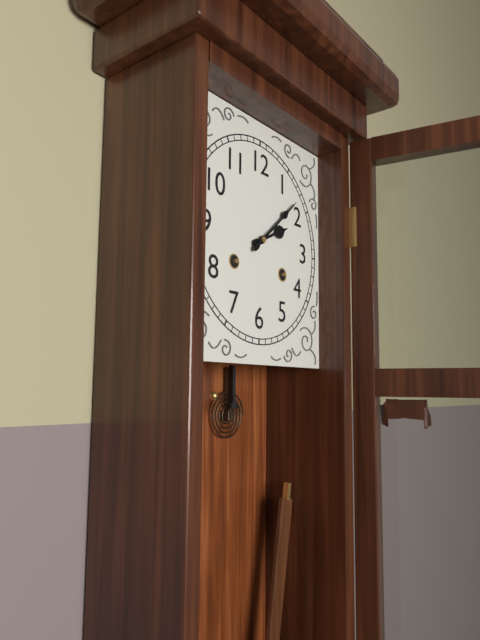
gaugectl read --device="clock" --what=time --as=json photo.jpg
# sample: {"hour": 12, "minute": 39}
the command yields {"hour": 2, "minute": 8}
